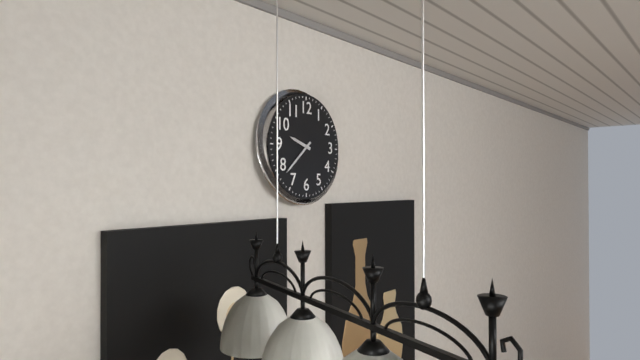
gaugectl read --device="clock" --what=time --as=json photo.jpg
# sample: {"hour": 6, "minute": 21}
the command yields {"hour": 9, "minute": 38}
